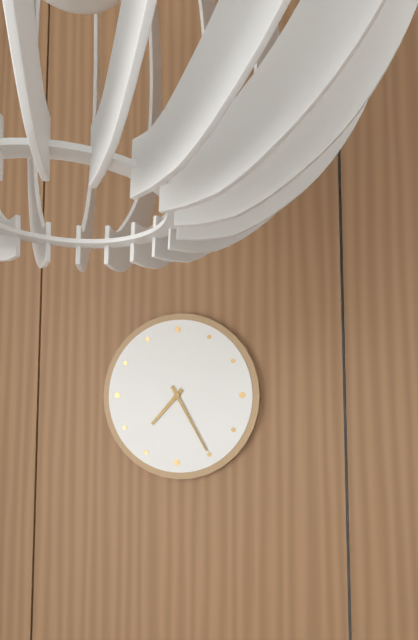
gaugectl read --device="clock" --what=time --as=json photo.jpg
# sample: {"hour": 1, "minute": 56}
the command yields {"hour": 7, "minute": 25}
